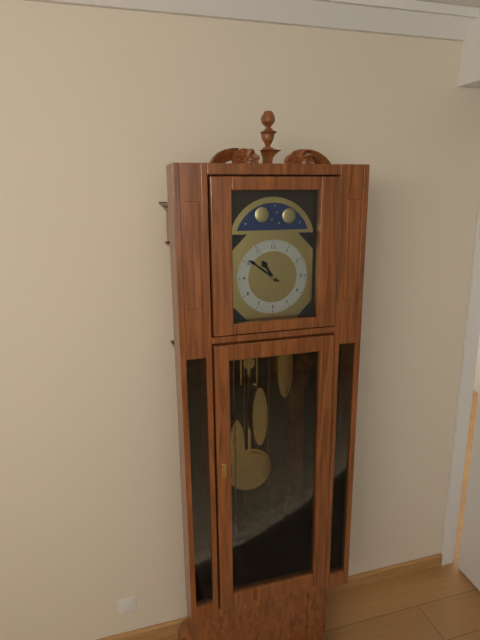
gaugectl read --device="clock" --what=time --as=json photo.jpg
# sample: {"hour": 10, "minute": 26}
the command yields {"hour": 10, "minute": 51}
